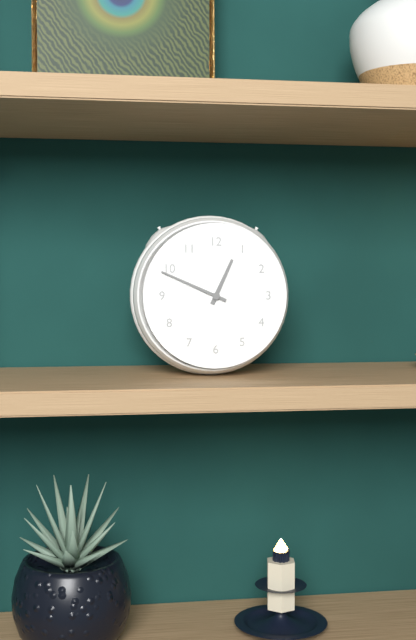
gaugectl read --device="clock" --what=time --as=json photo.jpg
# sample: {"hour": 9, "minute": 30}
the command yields {"hour": 12, "minute": 49}
